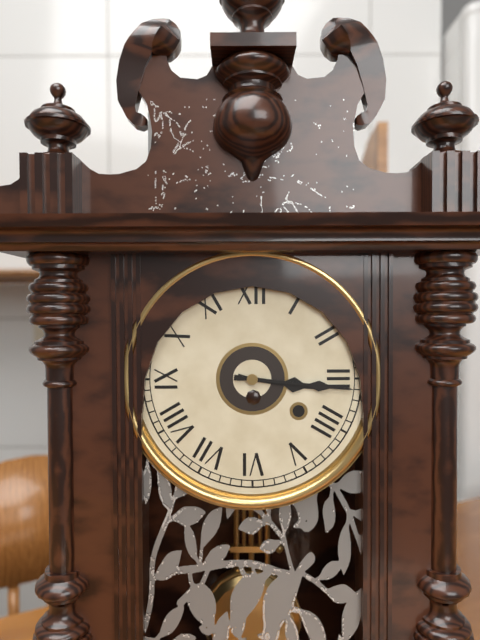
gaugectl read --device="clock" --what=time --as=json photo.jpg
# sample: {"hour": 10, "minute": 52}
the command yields {"hour": 3, "minute": 16}
